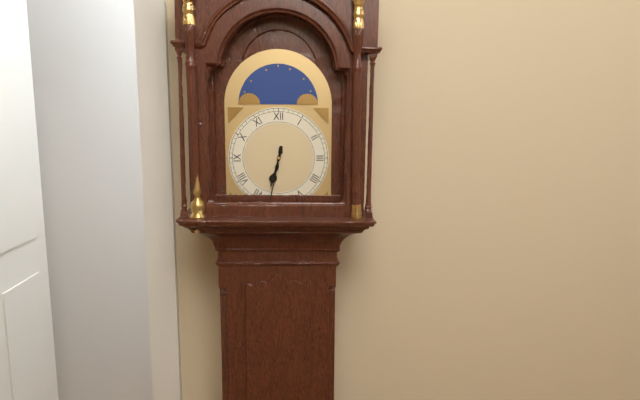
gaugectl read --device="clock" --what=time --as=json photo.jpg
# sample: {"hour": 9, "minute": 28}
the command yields {"hour": 6, "minute": 32}
